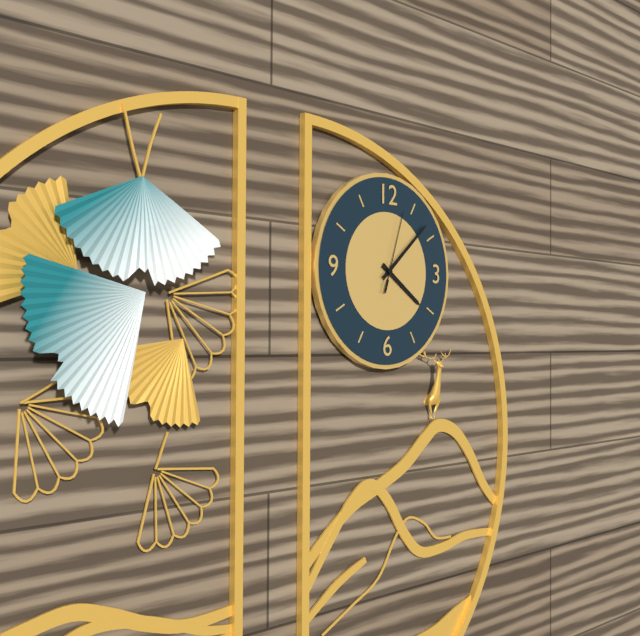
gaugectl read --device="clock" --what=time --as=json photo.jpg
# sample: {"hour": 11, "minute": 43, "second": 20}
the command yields {"hour": 4, "minute": 8, "second": 3}
